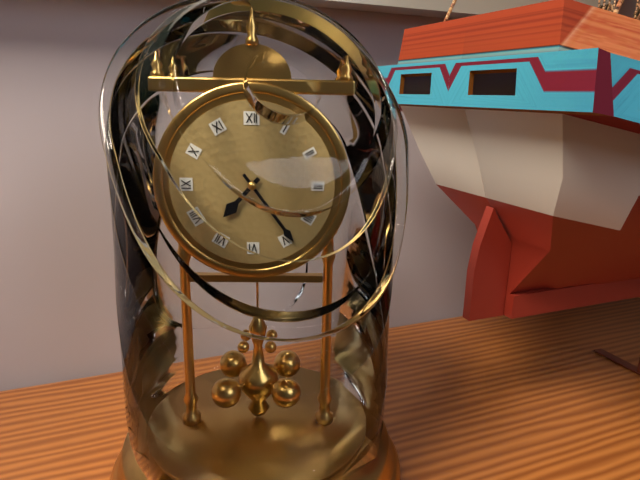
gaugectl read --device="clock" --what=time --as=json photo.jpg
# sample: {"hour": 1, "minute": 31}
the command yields {"hour": 7, "minute": 24}
